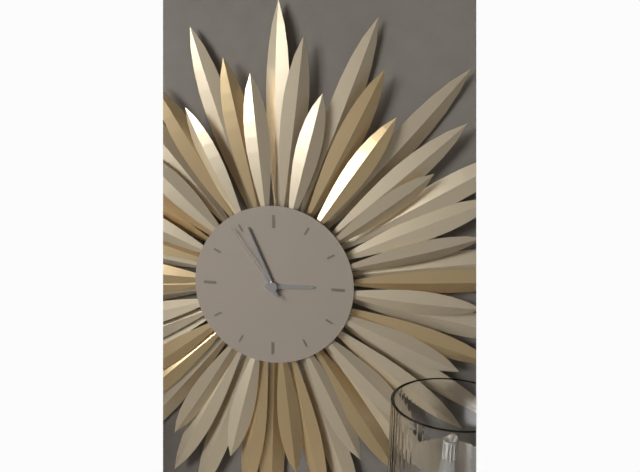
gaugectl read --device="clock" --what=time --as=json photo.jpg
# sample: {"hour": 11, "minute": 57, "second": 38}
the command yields {"hour": 2, "minute": 56, "second": 54}
